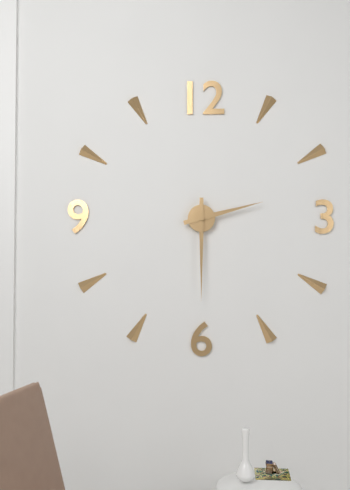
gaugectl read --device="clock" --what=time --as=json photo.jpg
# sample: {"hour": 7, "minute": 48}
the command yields {"hour": 2, "minute": 30}
